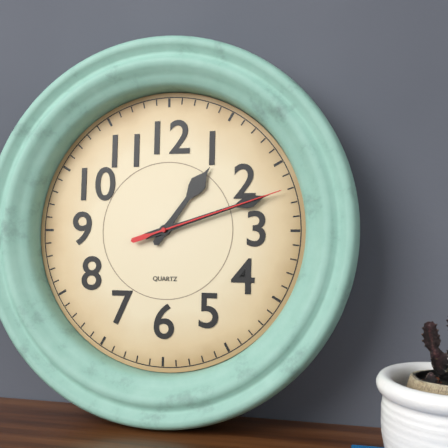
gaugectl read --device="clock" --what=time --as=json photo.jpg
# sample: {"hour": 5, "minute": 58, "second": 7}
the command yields {"hour": 1, "minute": 12, "second": 12}
